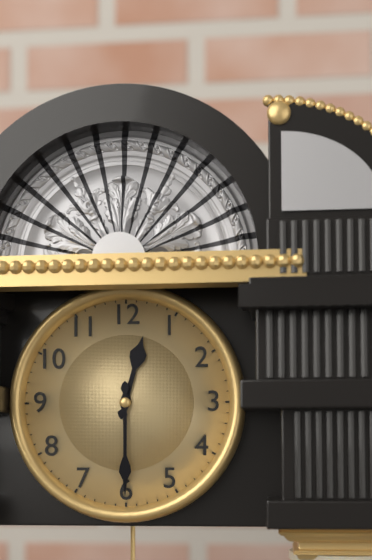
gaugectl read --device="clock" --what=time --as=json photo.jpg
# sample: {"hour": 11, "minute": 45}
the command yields {"hour": 12, "minute": 30}
